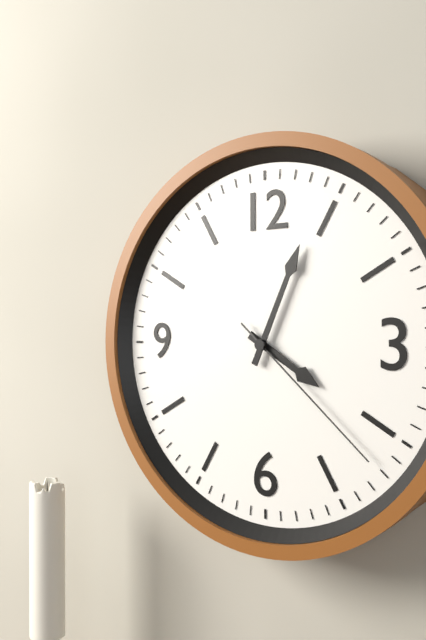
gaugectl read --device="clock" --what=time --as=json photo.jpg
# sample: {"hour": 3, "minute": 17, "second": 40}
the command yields {"hour": 4, "minute": 4, "second": 22}
